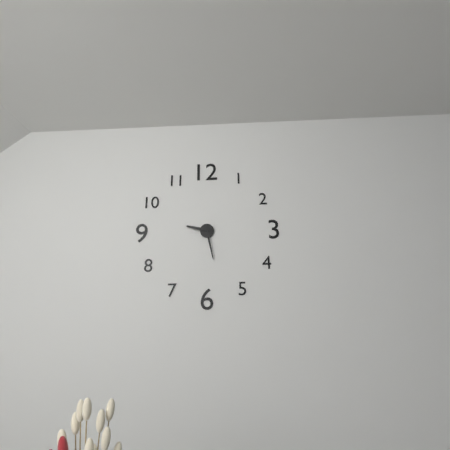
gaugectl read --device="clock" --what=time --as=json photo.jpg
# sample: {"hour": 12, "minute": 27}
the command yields {"hour": 9, "minute": 28}
